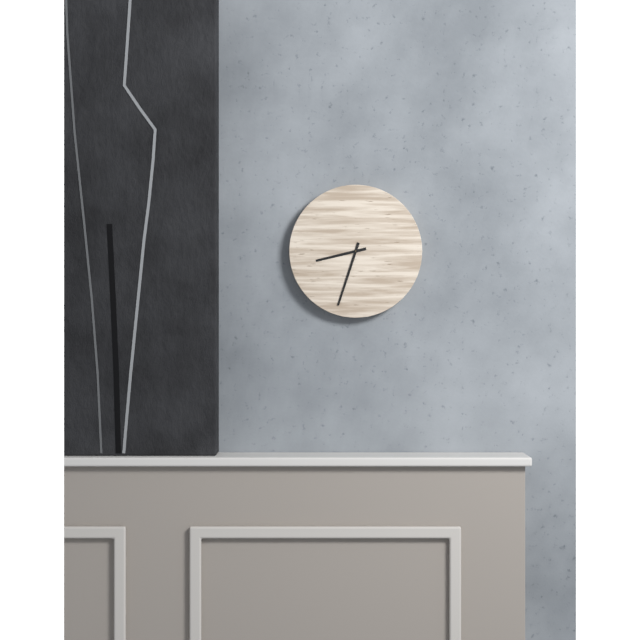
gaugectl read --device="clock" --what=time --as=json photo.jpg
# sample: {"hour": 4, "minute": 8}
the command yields {"hour": 8, "minute": 33}
